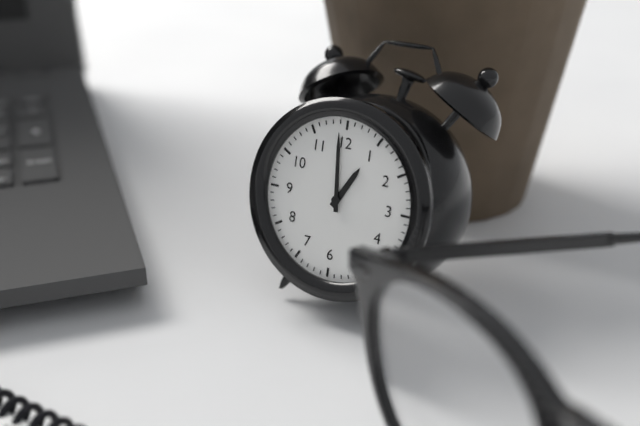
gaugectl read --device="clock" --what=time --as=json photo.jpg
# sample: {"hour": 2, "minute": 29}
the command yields {"hour": 12, "minute": 59}
